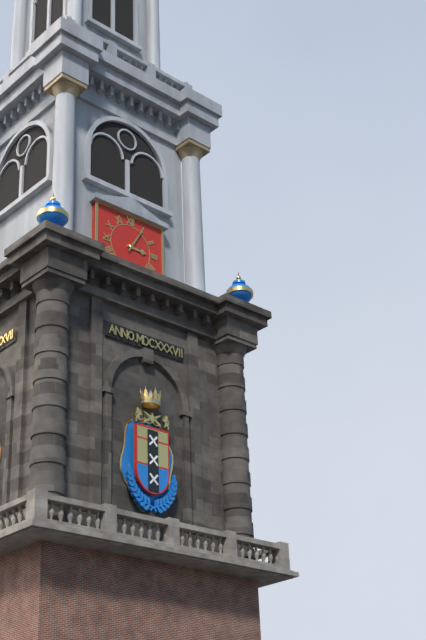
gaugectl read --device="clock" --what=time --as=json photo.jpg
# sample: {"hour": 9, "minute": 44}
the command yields {"hour": 3, "minute": 5}
